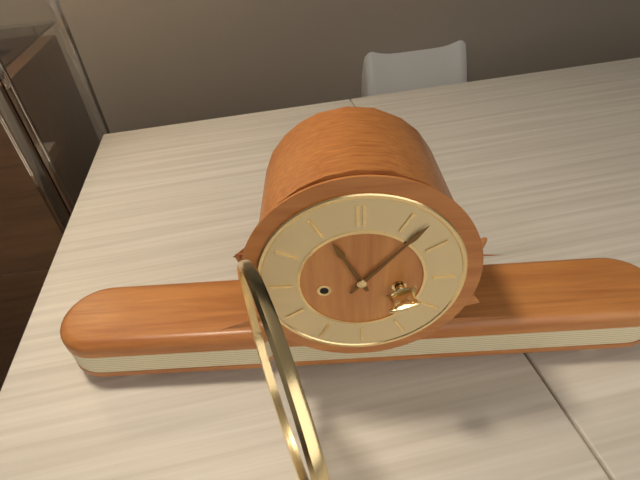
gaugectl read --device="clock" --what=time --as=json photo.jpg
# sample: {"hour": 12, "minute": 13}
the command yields {"hour": 11, "minute": 7}
